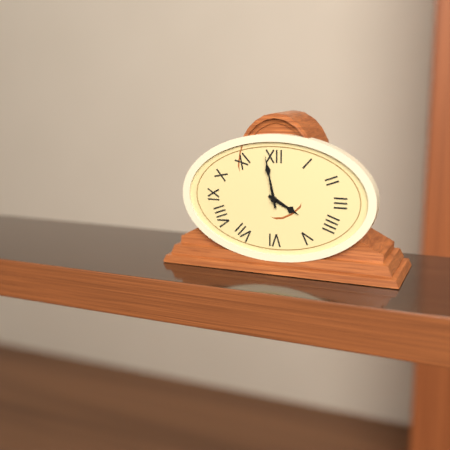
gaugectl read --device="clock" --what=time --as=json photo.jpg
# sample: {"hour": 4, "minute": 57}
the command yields {"hour": 3, "minute": 58}
